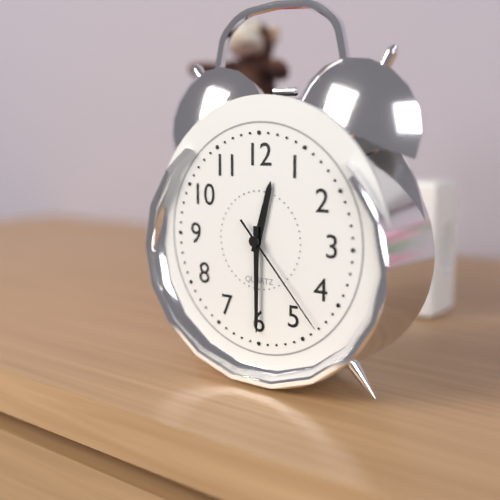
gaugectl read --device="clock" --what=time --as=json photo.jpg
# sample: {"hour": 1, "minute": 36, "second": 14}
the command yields {"hour": 12, "minute": 30, "second": 23}
